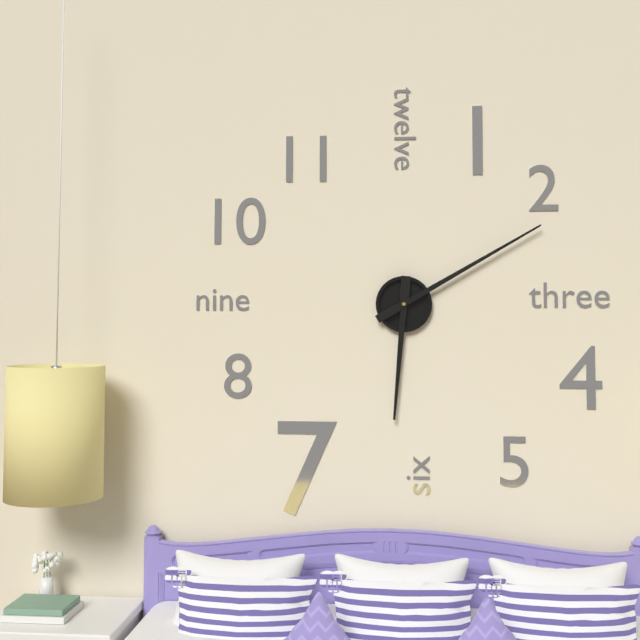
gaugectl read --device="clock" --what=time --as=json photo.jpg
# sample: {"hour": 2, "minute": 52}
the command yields {"hour": 6, "minute": 10}
